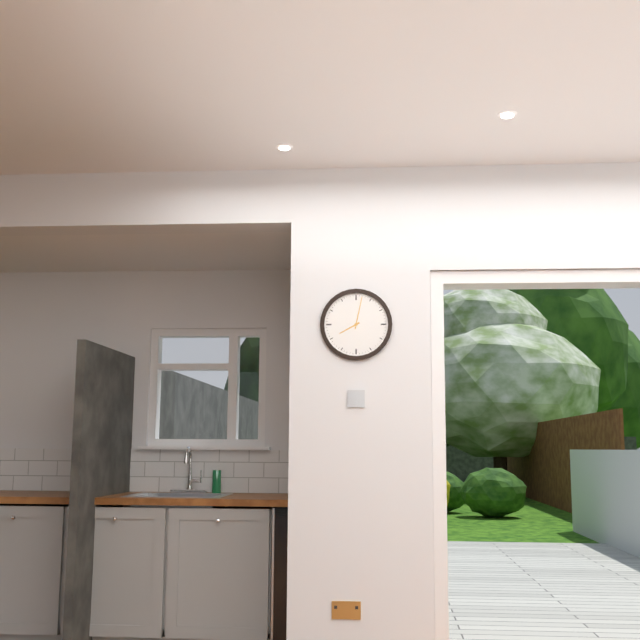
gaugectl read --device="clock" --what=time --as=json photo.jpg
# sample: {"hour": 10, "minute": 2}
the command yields {"hour": 8, "minute": 2}
